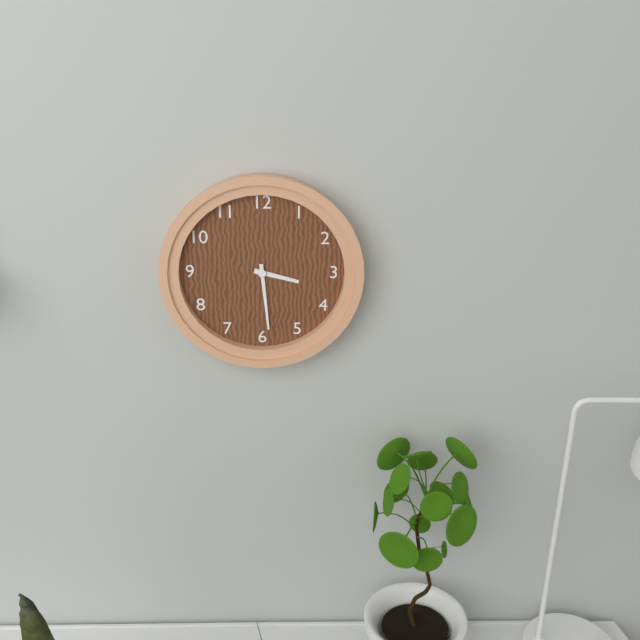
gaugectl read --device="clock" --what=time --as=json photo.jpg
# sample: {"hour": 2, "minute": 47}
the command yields {"hour": 3, "minute": 29}
